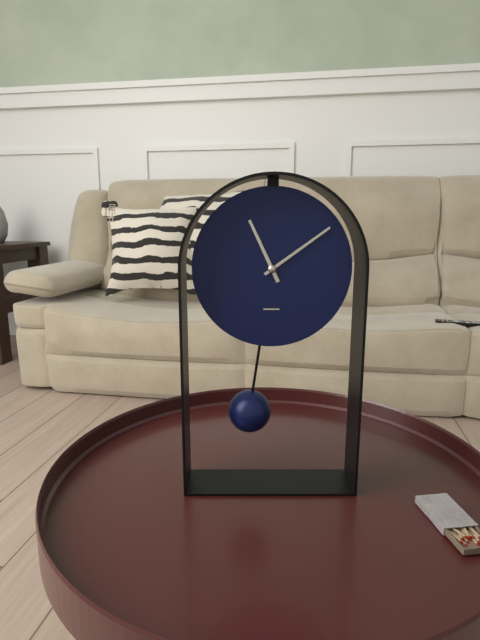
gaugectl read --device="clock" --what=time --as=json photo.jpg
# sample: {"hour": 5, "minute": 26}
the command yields {"hour": 11, "minute": 9}
